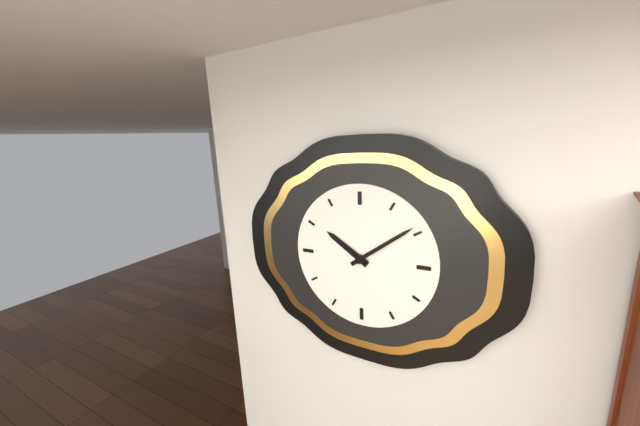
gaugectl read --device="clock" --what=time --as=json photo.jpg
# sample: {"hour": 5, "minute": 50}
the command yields {"hour": 10, "minute": 9}
